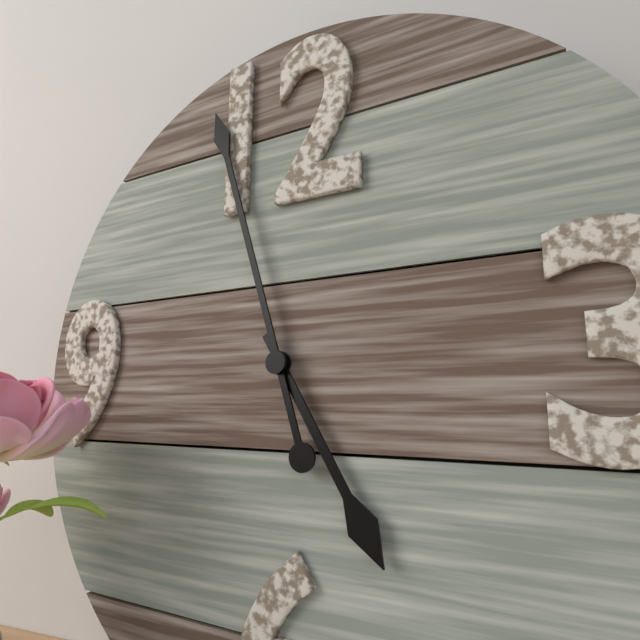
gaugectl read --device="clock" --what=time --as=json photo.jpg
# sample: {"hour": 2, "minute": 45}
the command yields {"hour": 4, "minute": 57}
